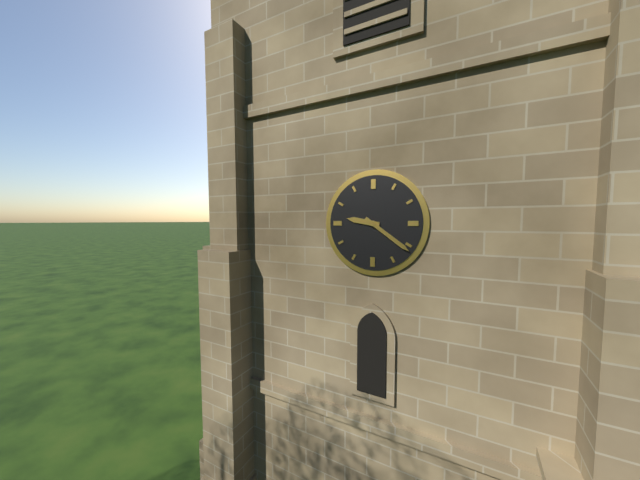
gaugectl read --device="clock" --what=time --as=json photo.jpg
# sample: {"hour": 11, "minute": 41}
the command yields {"hour": 9, "minute": 21}
